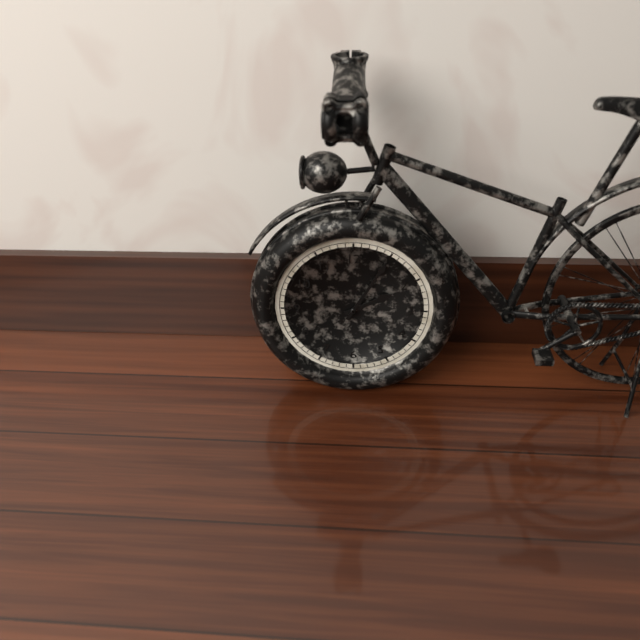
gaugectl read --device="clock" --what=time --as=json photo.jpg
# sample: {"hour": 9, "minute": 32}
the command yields {"hour": 2, "minute": 5}
